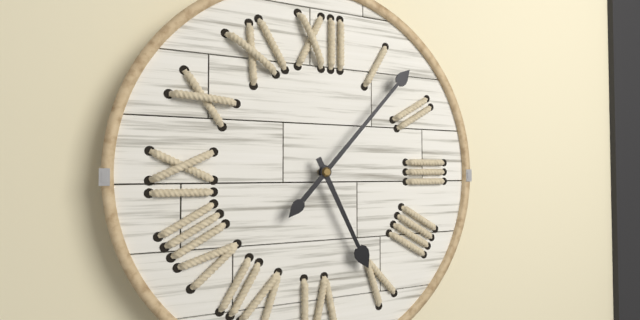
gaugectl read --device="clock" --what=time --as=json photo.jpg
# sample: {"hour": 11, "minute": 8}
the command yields {"hour": 5, "minute": 7}
